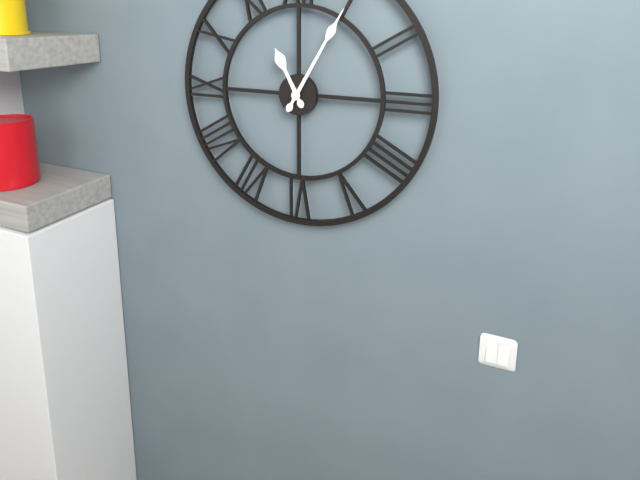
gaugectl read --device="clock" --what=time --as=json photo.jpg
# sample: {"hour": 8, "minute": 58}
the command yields {"hour": 11, "minute": 5}
